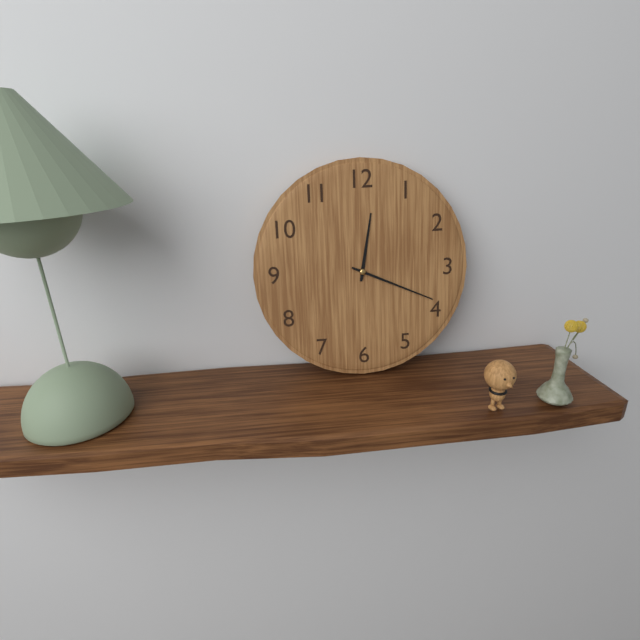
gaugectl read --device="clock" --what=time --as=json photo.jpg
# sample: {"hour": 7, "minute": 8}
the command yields {"hour": 12, "minute": 19}
